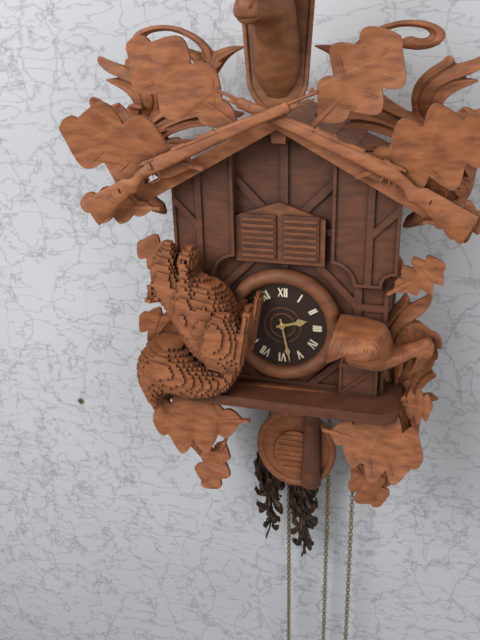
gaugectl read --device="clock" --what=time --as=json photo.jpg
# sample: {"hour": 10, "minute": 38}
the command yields {"hour": 2, "minute": 28}
